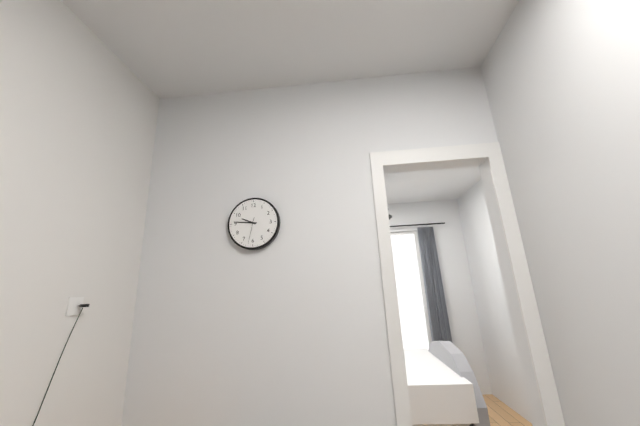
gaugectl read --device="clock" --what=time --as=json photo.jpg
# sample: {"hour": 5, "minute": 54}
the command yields {"hour": 9, "minute": 46}
